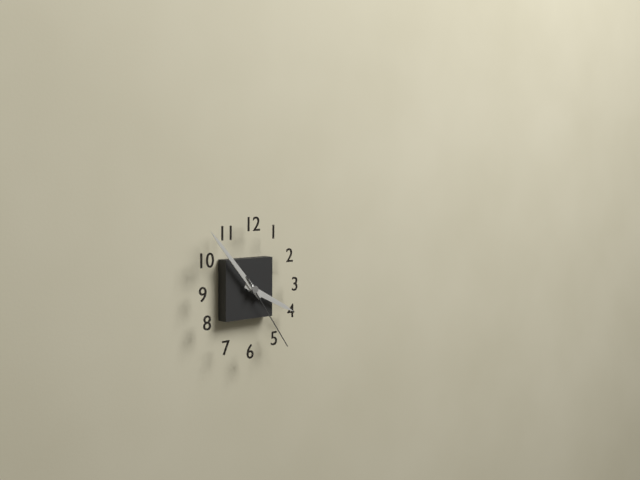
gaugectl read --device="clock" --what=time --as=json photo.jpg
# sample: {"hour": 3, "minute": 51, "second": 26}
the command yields {"hour": 3, "minute": 53, "second": 24}
